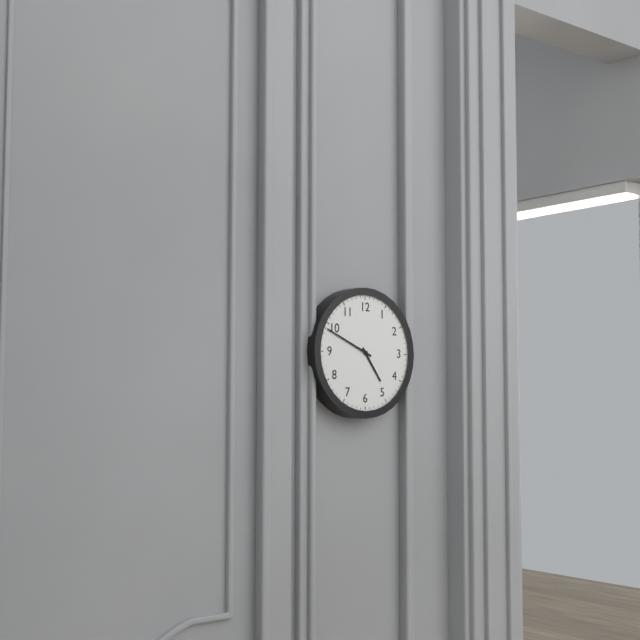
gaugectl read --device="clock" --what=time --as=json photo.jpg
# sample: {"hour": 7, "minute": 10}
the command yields {"hour": 4, "minute": 49}
